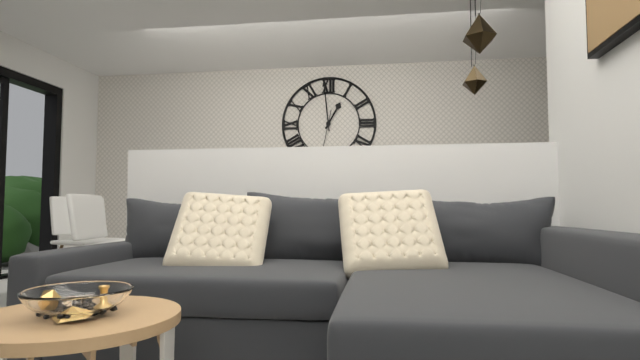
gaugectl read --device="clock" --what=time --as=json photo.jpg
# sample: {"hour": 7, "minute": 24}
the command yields {"hour": 12, "minute": 59}
